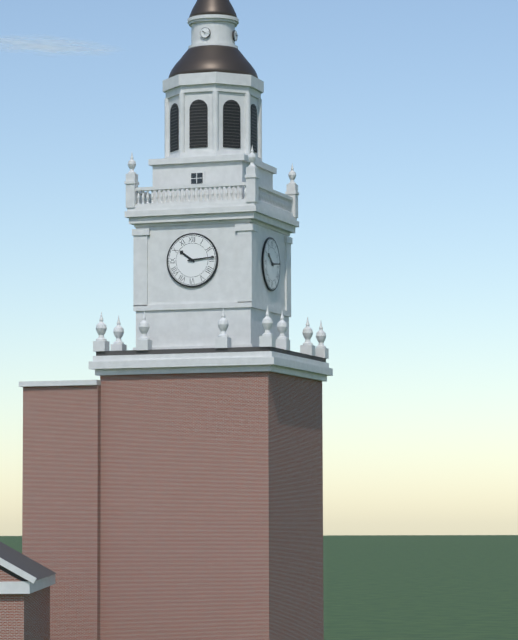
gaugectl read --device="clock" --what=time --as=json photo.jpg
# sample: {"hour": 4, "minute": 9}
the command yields {"hour": 10, "minute": 14}
